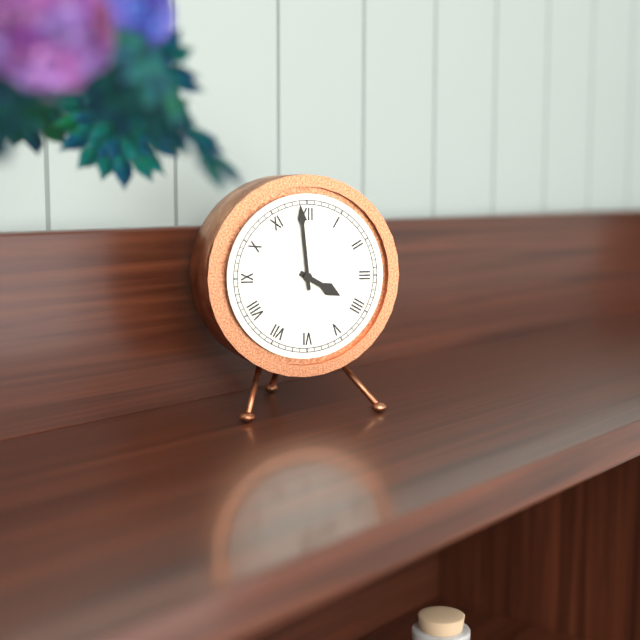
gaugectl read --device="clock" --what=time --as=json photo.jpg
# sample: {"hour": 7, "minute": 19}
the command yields {"hour": 3, "minute": 59}
